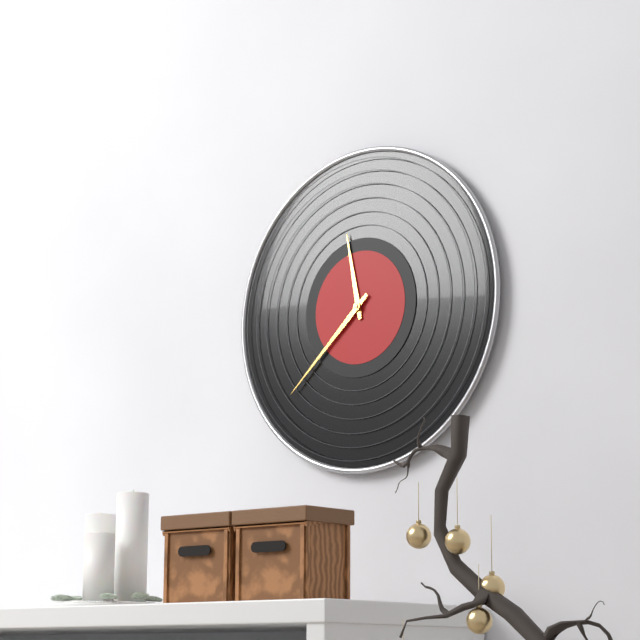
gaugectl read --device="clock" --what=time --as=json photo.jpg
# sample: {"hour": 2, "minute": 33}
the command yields {"hour": 11, "minute": 38}
